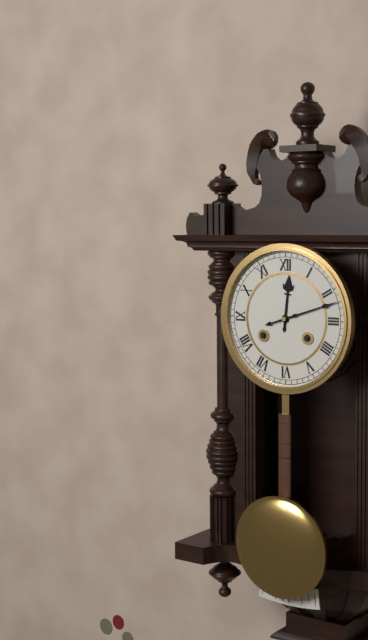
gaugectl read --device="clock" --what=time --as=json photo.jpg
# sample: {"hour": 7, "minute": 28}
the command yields {"hour": 12, "minute": 12}
